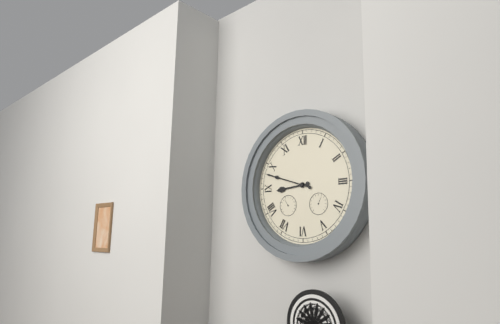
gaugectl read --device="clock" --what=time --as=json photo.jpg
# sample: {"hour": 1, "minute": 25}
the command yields {"hour": 8, "minute": 48}
